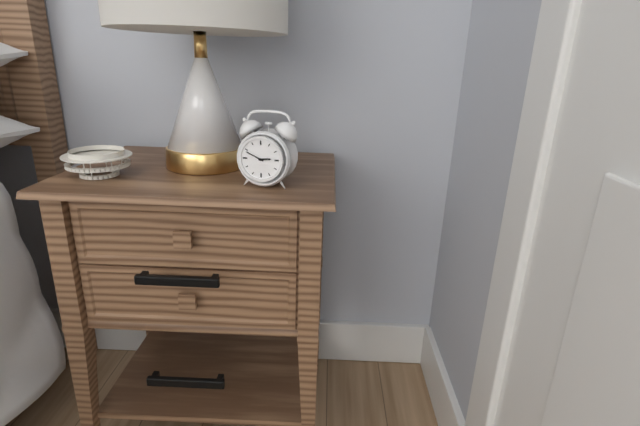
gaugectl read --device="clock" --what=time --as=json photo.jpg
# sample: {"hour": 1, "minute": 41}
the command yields {"hour": 2, "minute": 49}
